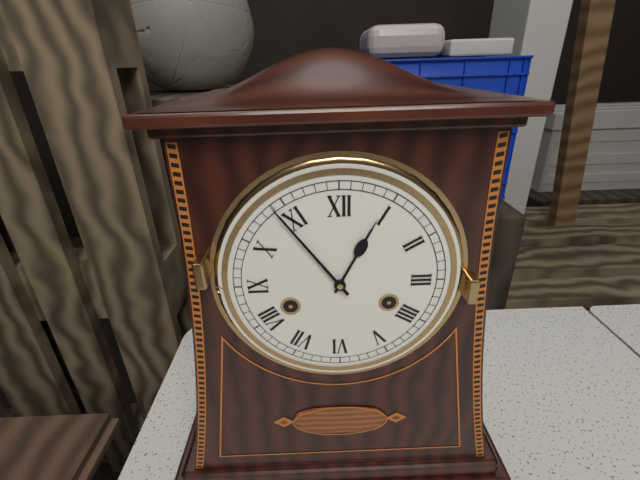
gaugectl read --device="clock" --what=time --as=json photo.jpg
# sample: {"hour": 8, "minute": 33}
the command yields {"hour": 12, "minute": 54}
